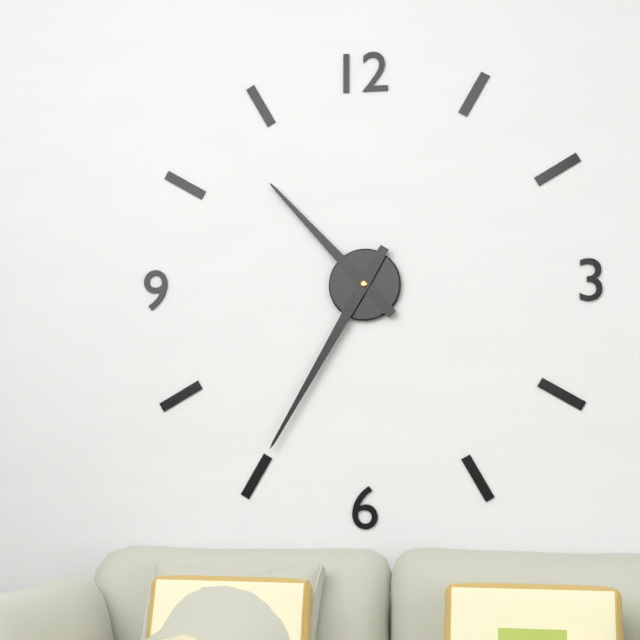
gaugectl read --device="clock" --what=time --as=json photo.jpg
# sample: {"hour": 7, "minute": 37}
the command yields {"hour": 10, "minute": 35}
